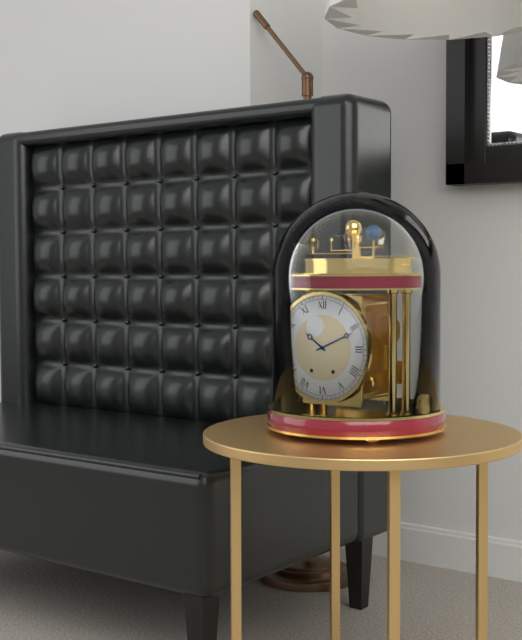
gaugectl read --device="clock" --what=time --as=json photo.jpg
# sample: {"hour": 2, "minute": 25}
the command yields {"hour": 10, "minute": 11}
